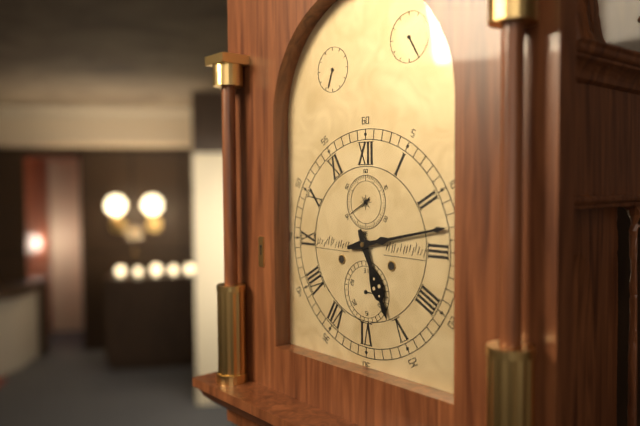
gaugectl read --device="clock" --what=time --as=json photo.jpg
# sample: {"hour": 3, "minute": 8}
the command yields {"hour": 5, "minute": 13}
